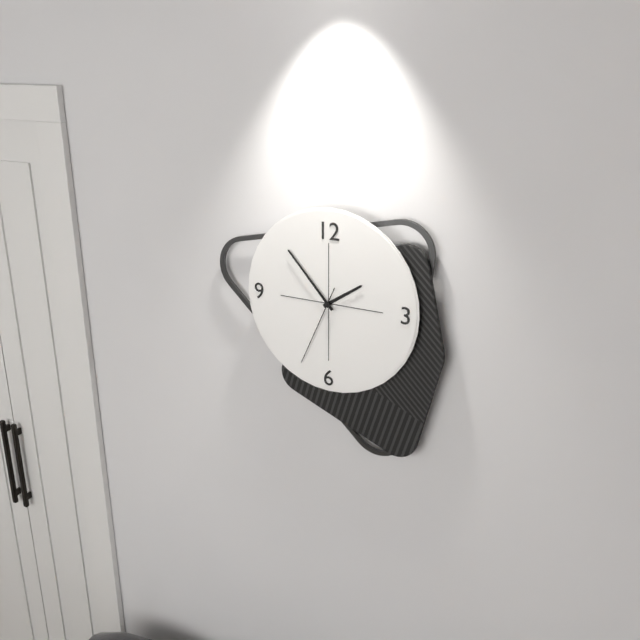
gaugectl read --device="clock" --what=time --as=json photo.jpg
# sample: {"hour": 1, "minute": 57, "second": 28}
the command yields {"hour": 1, "minute": 53, "second": 34}
